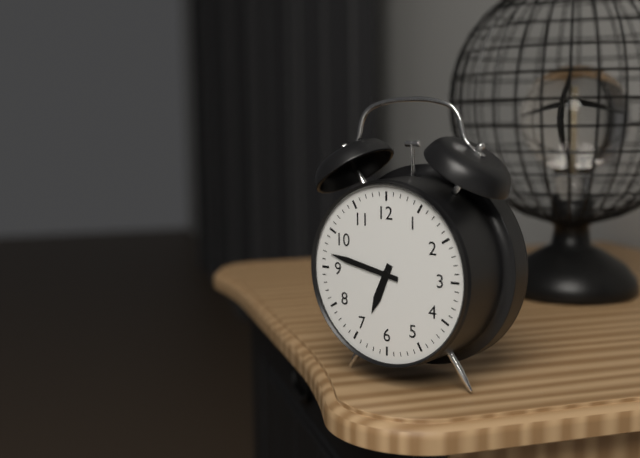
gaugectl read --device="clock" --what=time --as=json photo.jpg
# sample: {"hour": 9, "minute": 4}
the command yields {"hour": 6, "minute": 47}
